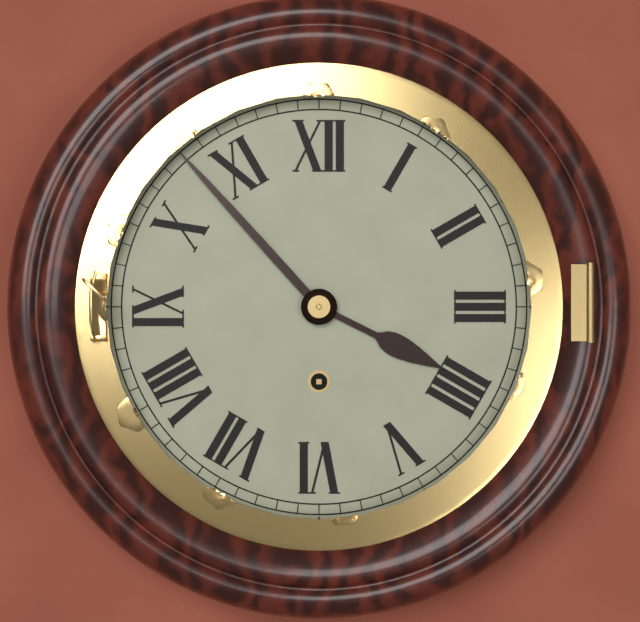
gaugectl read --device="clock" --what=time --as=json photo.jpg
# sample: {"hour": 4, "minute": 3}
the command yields {"hour": 3, "minute": 53}
